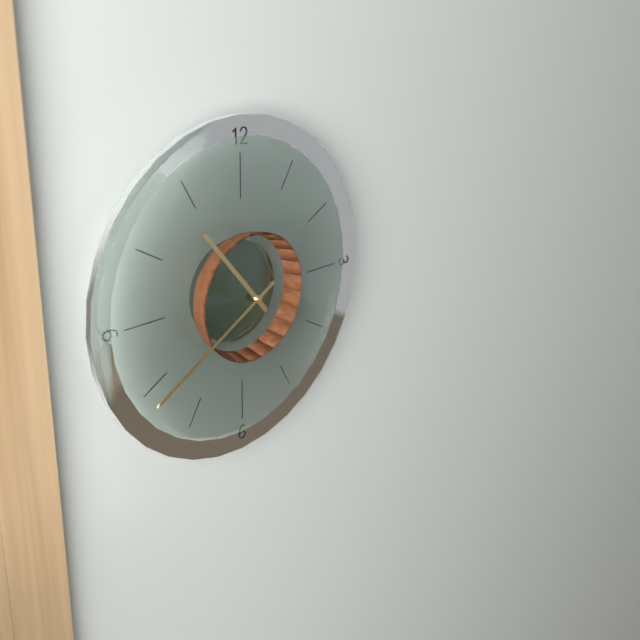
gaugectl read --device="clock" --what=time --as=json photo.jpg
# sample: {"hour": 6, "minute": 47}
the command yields {"hour": 10, "minute": 40}
